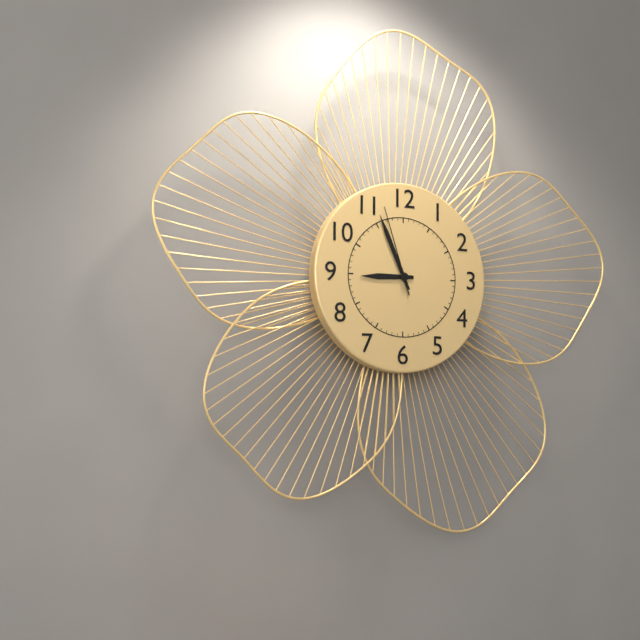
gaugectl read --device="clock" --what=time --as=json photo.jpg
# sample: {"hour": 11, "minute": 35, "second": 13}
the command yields {"hour": 8, "minute": 56, "second": 57}
